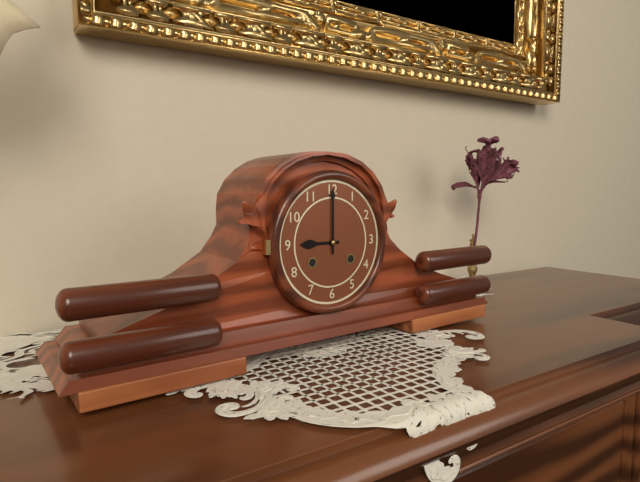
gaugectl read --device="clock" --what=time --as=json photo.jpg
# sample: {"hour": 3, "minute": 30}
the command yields {"hour": 9, "minute": 0}
